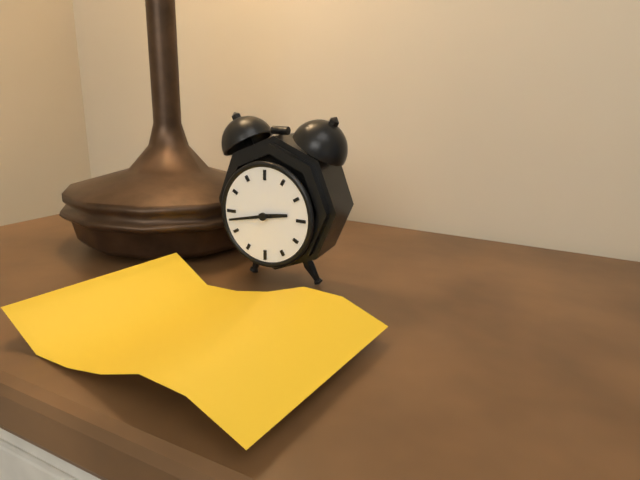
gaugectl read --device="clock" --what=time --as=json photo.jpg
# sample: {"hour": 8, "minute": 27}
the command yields {"hour": 2, "minute": 43}
